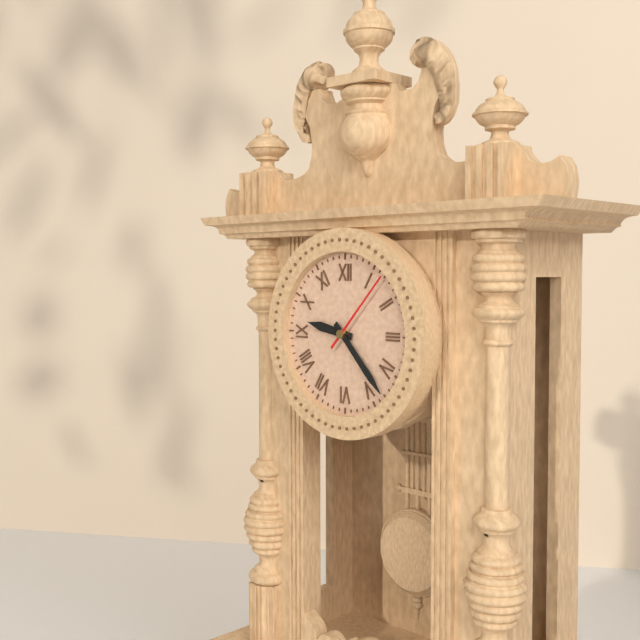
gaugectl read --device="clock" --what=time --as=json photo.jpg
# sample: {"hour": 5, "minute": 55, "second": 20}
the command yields {"hour": 9, "minute": 23, "second": 7}
